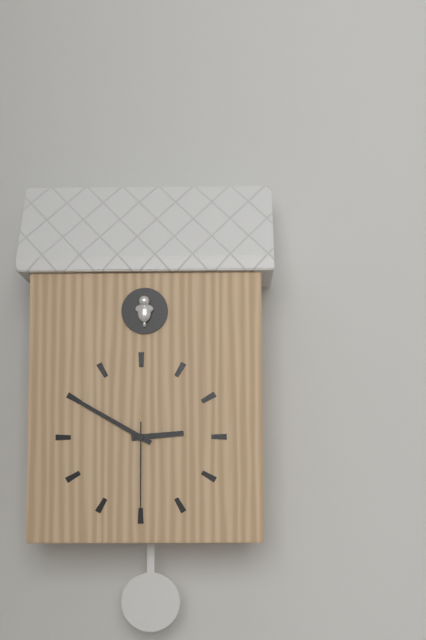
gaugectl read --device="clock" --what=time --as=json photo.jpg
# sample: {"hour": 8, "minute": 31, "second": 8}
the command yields {"hour": 2, "minute": 50, "second": 30}
